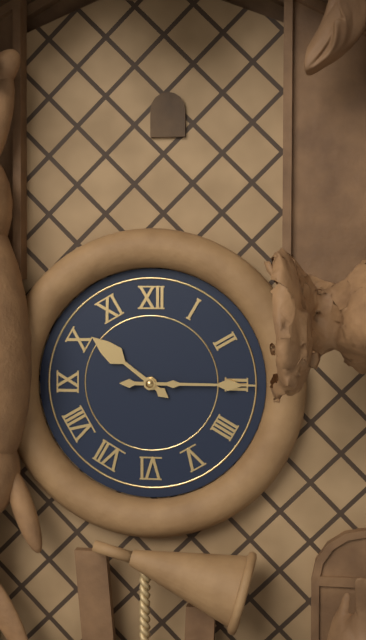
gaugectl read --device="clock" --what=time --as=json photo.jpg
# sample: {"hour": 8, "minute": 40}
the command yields {"hour": 10, "minute": 15}
